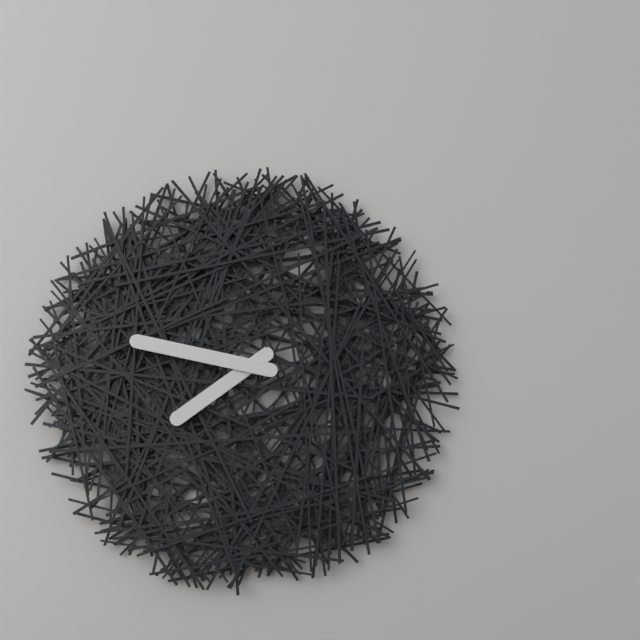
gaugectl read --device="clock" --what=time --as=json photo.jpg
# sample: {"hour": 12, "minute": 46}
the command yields {"hour": 7, "minute": 47}
